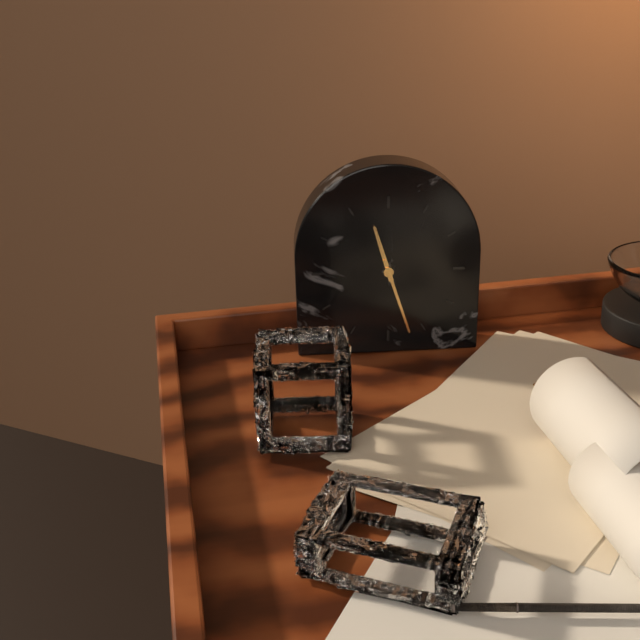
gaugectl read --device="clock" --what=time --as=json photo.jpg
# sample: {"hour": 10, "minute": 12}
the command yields {"hour": 11, "minute": 27}
